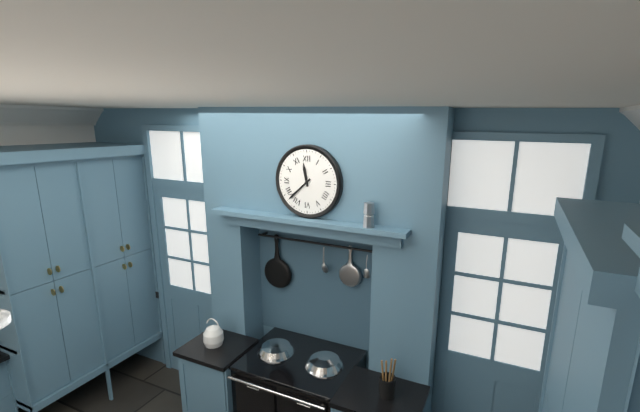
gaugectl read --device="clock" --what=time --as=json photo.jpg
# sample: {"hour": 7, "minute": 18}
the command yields {"hour": 11, "minute": 38}
